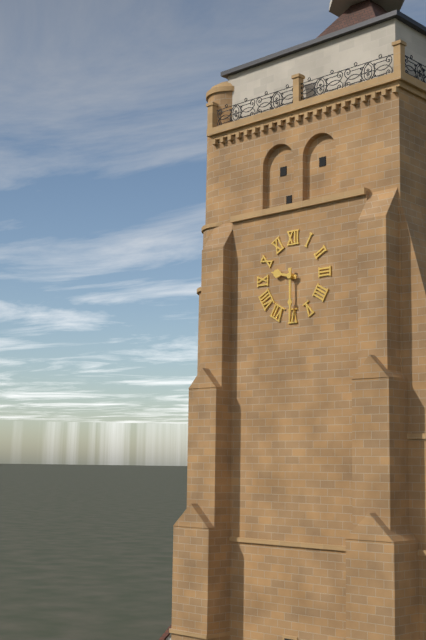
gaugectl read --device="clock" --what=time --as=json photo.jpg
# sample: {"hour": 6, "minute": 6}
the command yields {"hour": 9, "minute": 30}
